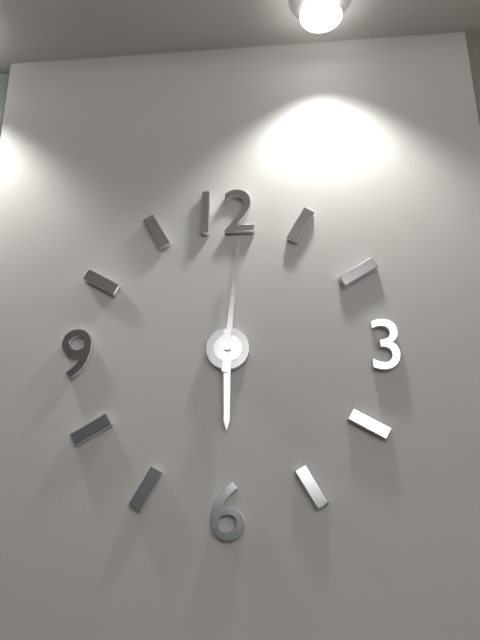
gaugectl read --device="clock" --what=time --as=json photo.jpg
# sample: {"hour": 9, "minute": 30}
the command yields {"hour": 6, "minute": 1}
